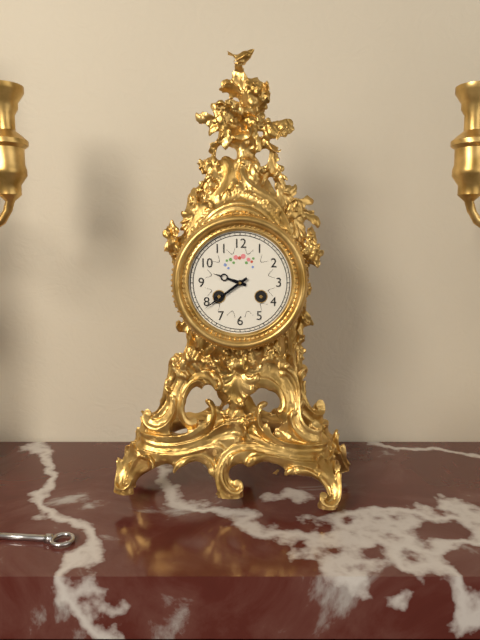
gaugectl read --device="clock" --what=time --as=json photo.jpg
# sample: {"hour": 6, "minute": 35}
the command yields {"hour": 9, "minute": 39}
